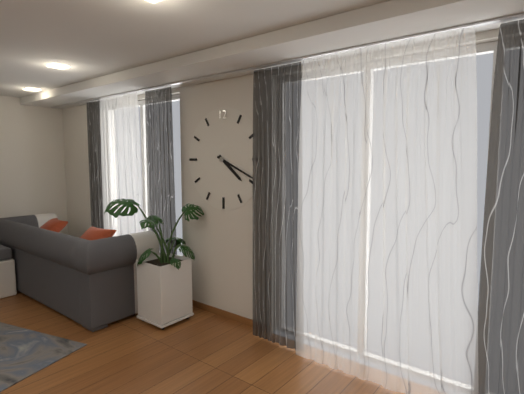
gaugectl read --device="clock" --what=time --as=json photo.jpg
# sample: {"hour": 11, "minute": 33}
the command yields {"hour": 4, "minute": 19}
